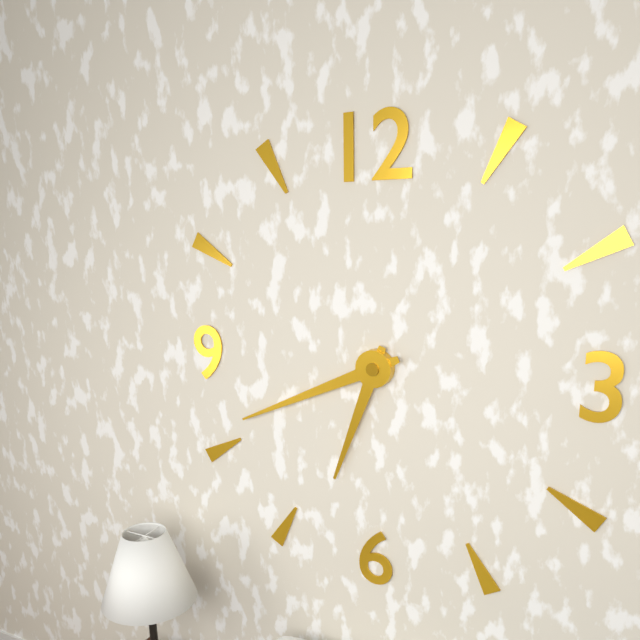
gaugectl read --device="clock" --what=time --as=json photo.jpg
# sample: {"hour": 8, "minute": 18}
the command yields {"hour": 6, "minute": 41}
